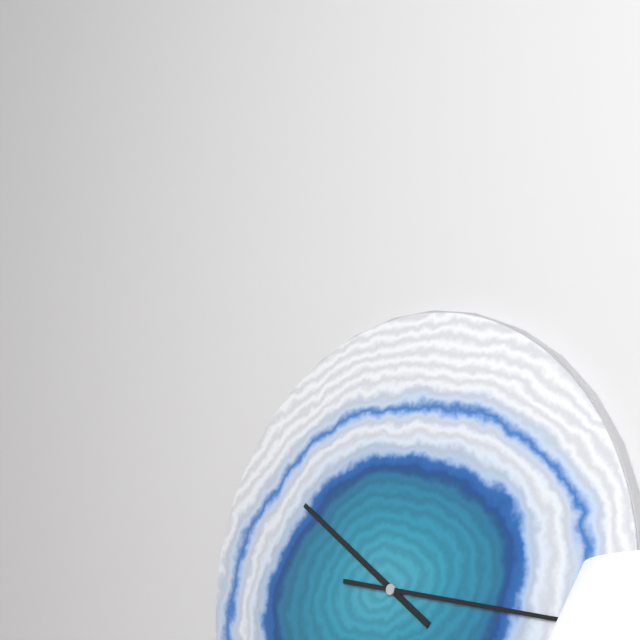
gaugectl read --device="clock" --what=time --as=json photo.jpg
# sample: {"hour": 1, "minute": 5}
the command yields {"hour": 10, "minute": 17}
